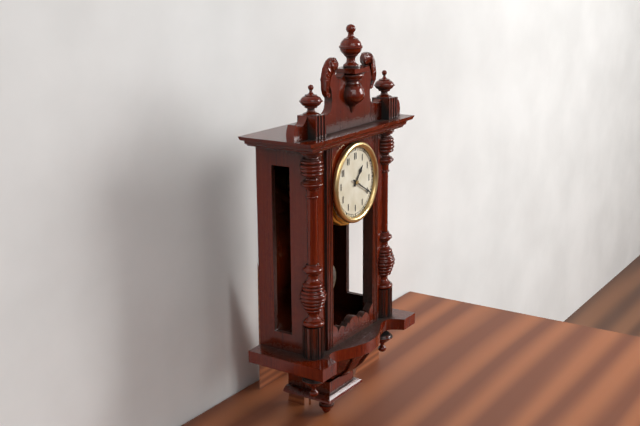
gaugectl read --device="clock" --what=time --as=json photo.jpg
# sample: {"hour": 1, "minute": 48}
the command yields {"hour": 1, "minute": 20}
